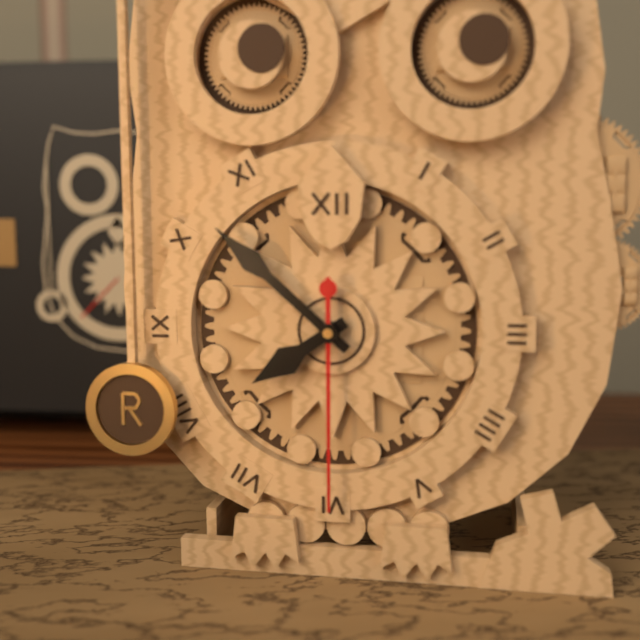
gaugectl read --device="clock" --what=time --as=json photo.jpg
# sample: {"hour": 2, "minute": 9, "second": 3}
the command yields {"hour": 7, "minute": 52, "second": 30}
